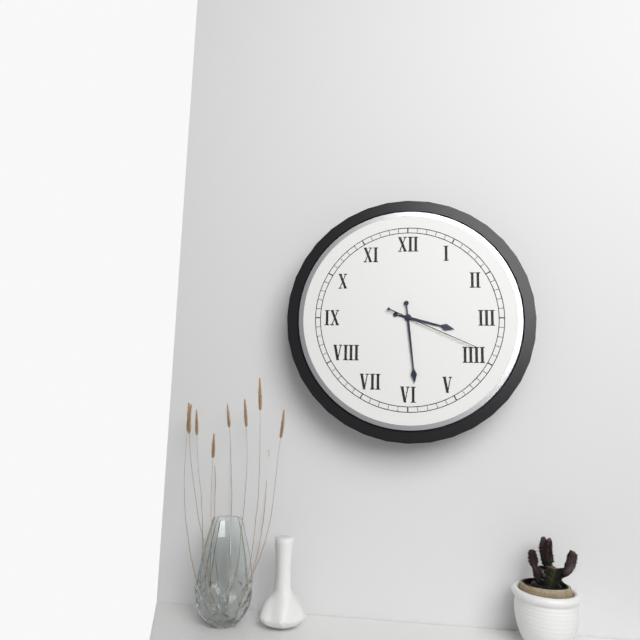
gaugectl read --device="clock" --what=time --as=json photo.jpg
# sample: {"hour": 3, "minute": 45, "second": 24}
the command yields {"hour": 3, "minute": 29, "second": 19}
